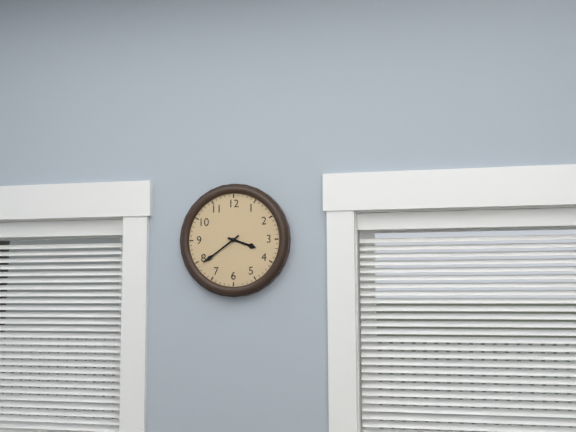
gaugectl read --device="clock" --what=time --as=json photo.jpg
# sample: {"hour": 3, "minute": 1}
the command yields {"hour": 3, "minute": 39}
